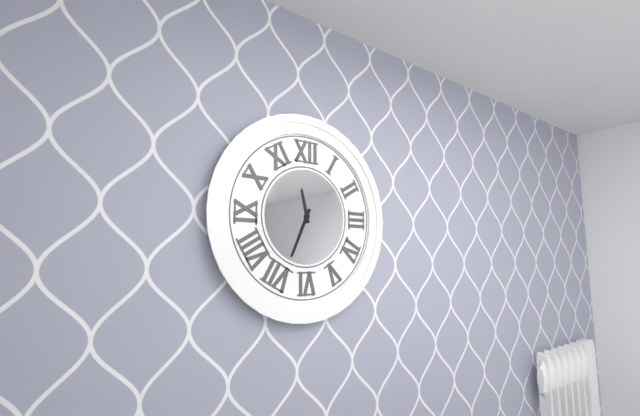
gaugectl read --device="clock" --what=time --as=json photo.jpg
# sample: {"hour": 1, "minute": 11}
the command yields {"hour": 11, "minute": 34}
